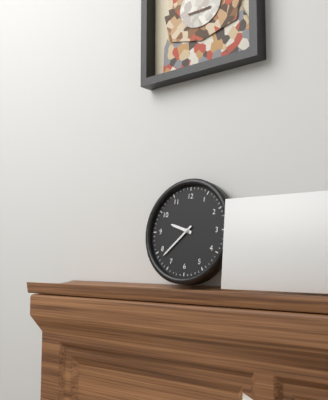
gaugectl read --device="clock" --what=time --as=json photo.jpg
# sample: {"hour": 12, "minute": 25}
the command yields {"hour": 9, "minute": 38}
